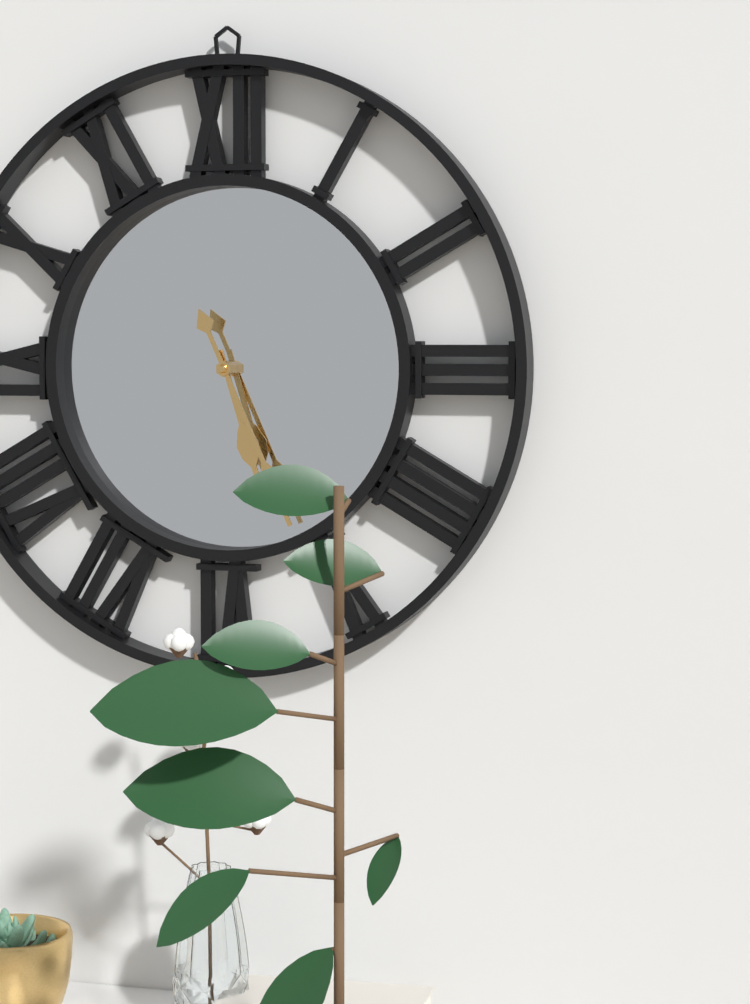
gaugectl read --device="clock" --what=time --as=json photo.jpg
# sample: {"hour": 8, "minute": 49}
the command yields {"hour": 5, "minute": 26}
